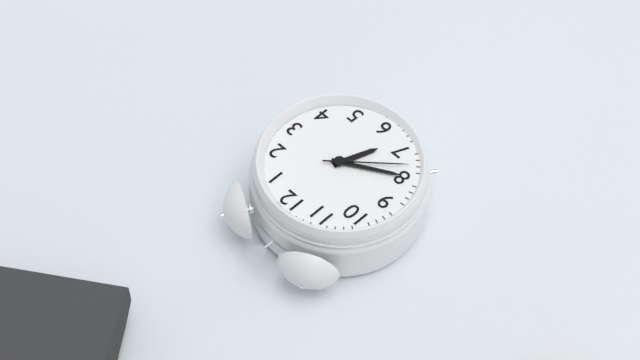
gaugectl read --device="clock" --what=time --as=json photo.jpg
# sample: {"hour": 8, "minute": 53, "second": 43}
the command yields {"hour": 6, "minute": 40, "second": 38}
